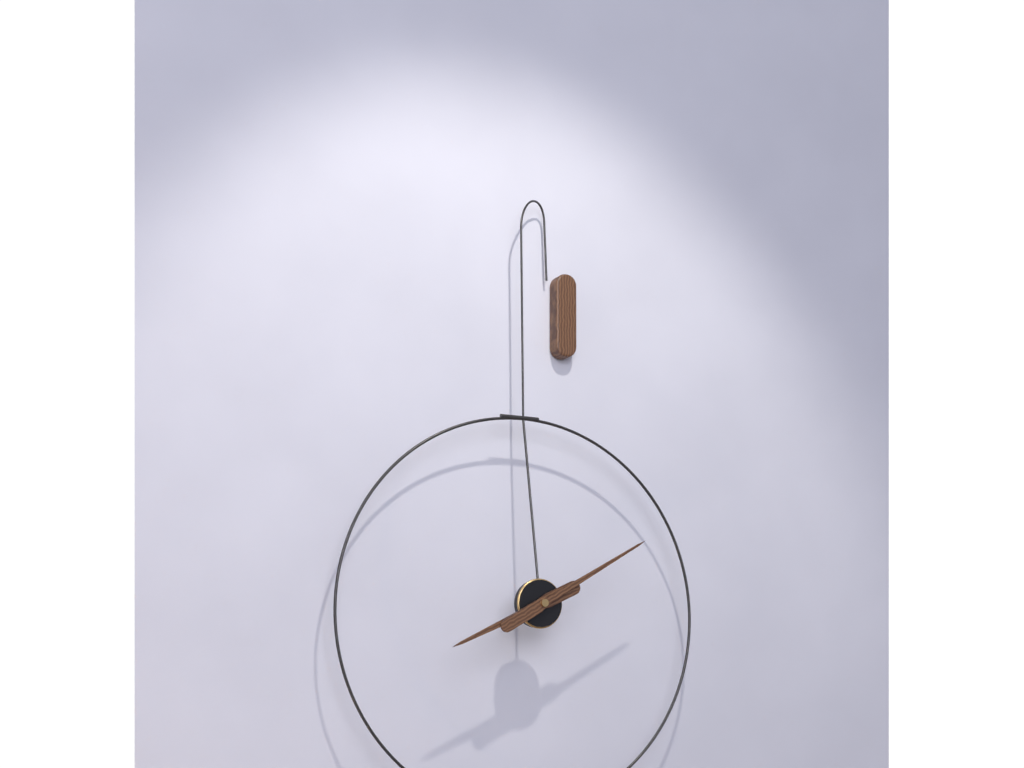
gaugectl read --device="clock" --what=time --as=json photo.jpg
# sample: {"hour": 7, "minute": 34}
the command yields {"hour": 8, "minute": 10}
